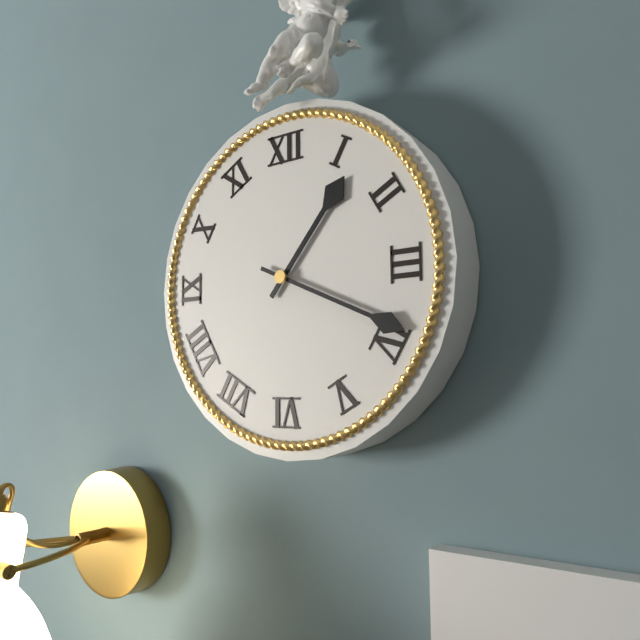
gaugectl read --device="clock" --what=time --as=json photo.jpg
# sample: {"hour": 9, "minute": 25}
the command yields {"hour": 1, "minute": 19}
